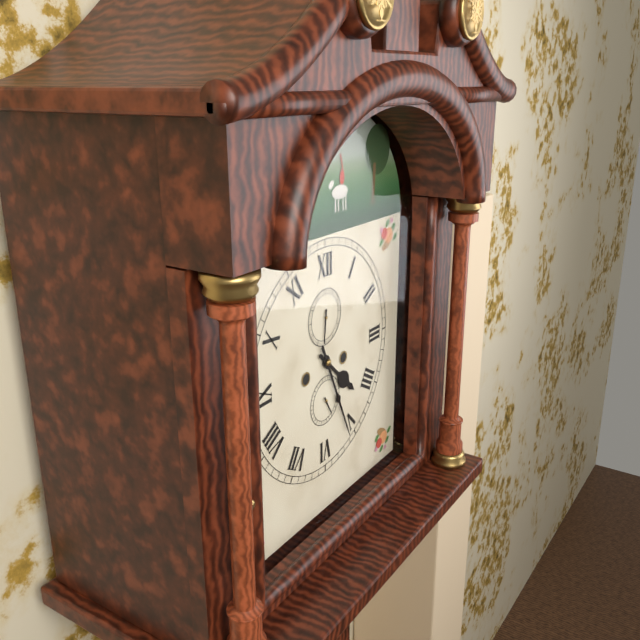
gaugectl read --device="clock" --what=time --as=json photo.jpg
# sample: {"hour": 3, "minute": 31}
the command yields {"hour": 4, "minute": 26}
